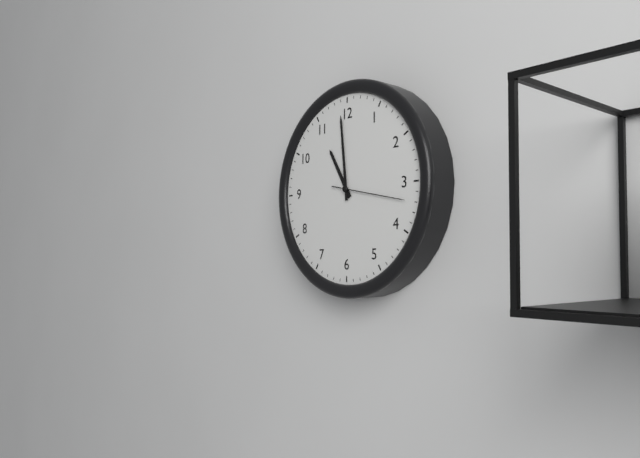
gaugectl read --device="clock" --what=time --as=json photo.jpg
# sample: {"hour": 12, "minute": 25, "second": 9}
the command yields {"hour": 10, "minute": 59, "second": 17}
